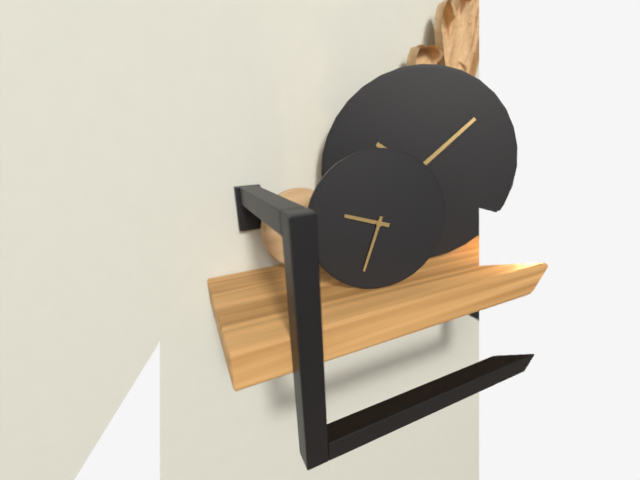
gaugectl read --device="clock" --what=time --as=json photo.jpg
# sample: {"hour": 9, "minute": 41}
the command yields {"hour": 9, "minute": 33}
